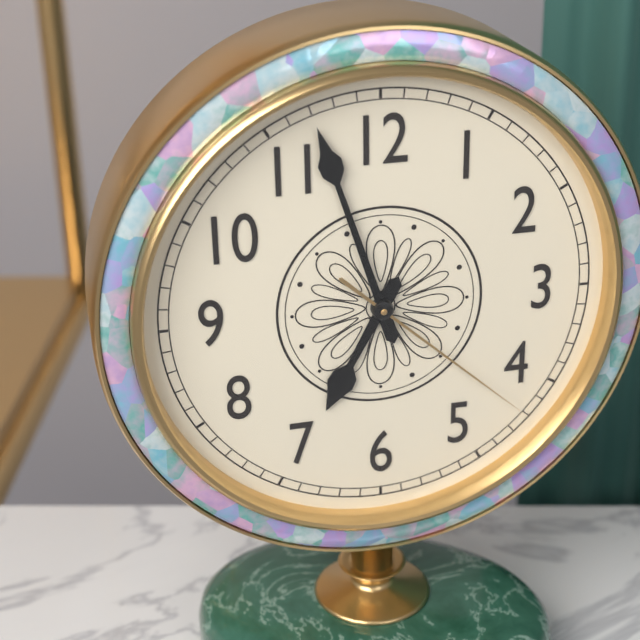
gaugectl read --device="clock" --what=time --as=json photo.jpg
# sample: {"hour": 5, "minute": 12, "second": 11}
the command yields {"hour": 6, "minute": 57, "second": 22}
